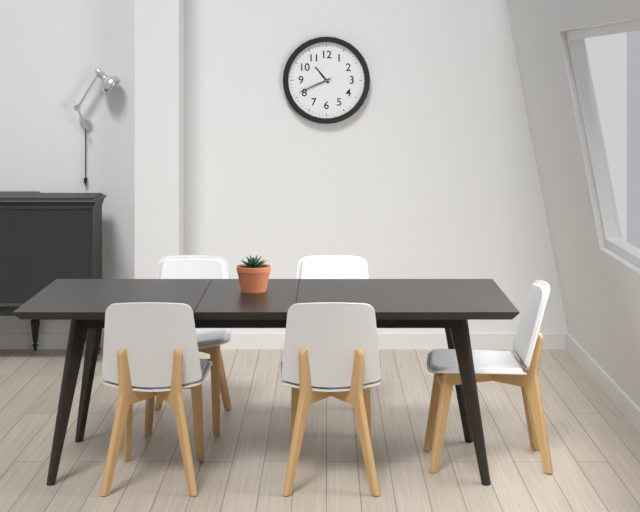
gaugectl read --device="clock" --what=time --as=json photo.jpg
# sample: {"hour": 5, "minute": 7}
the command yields {"hour": 10, "minute": 41}
